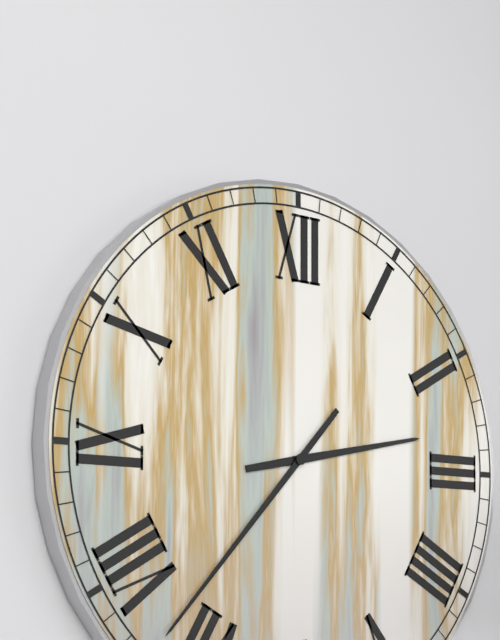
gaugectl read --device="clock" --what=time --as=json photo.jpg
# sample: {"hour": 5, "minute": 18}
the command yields {"hour": 2, "minute": 37}
